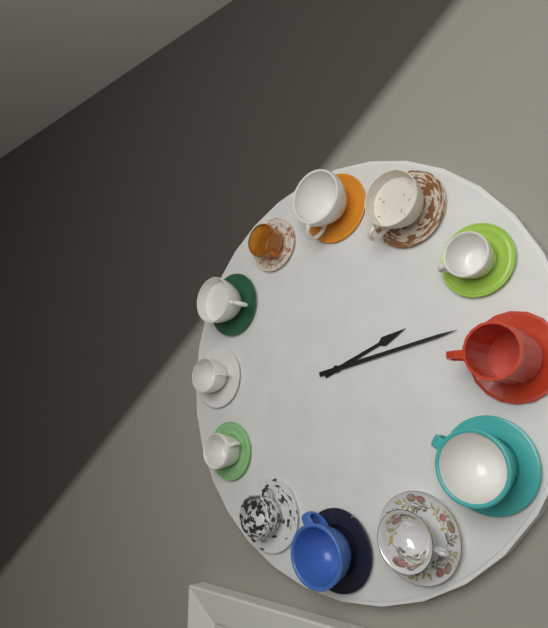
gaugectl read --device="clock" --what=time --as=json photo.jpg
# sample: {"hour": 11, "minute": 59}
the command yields {"hour": 2, "minute": 13}
